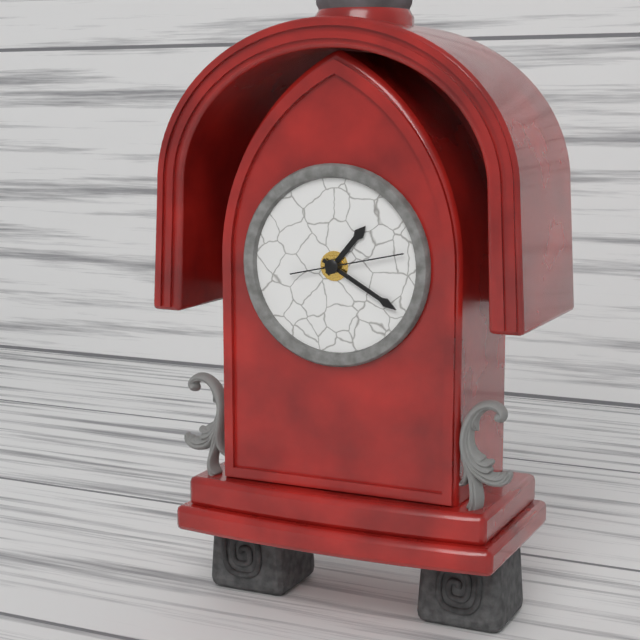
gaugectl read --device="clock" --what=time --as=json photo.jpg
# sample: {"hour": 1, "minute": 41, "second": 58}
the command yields {"hour": 1, "minute": 20, "second": 13}
